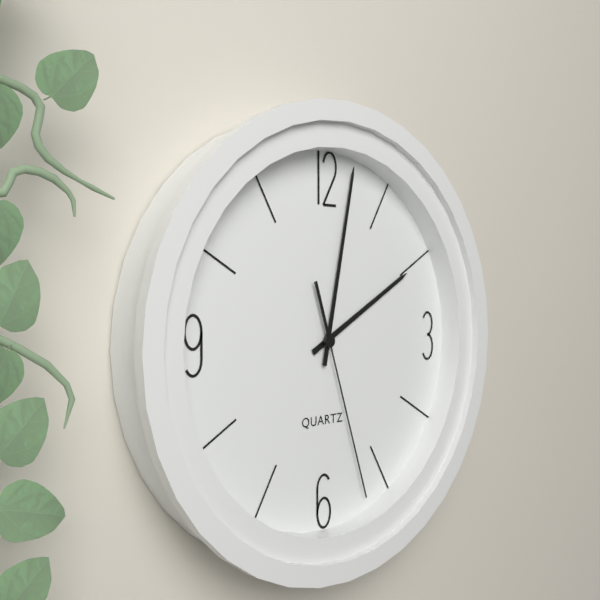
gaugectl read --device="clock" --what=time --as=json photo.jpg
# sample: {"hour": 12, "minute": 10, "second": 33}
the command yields {"hour": 2, "minute": 2, "second": 27}
